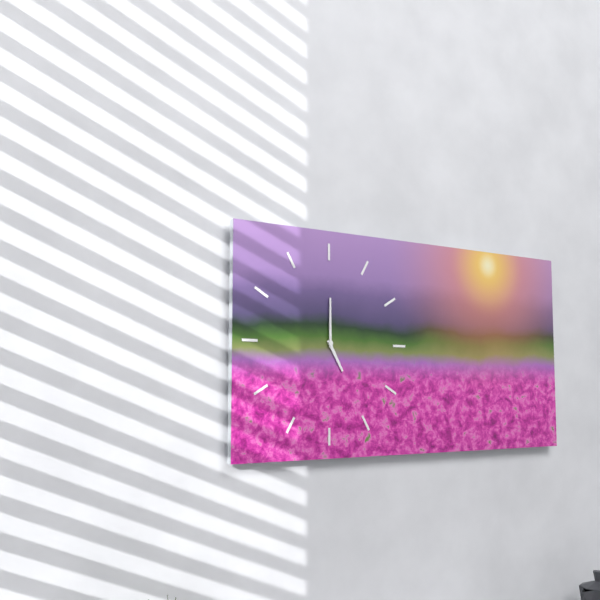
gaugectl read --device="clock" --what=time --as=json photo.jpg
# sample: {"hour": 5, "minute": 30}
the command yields {"hour": 5, "minute": 0}
